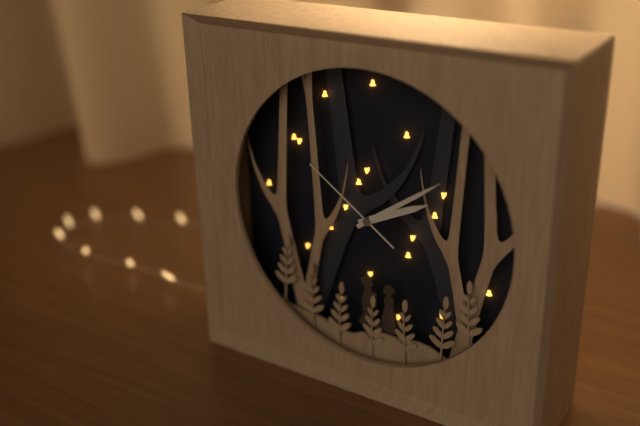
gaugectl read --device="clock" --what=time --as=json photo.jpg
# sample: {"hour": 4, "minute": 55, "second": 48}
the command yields {"hour": 2, "minute": 9, "second": 51}
